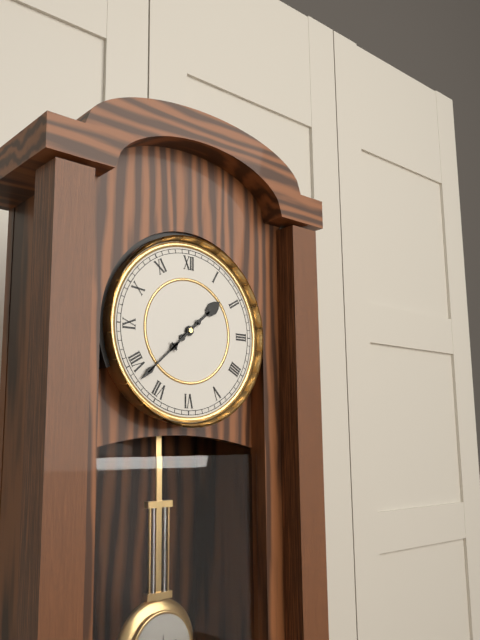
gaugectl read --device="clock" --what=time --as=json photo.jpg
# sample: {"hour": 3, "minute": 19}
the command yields {"hour": 1, "minute": 38}
